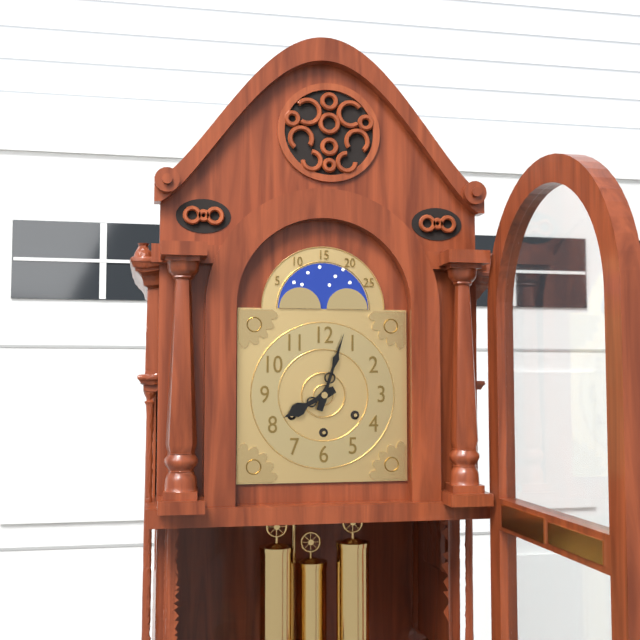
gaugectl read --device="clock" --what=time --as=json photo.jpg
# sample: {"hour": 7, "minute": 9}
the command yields {"hour": 8, "minute": 3}
